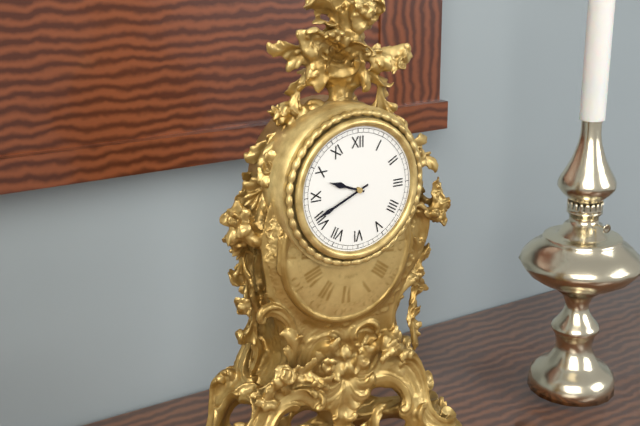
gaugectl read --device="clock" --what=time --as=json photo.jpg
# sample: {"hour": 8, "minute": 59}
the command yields {"hour": 9, "minute": 41}
